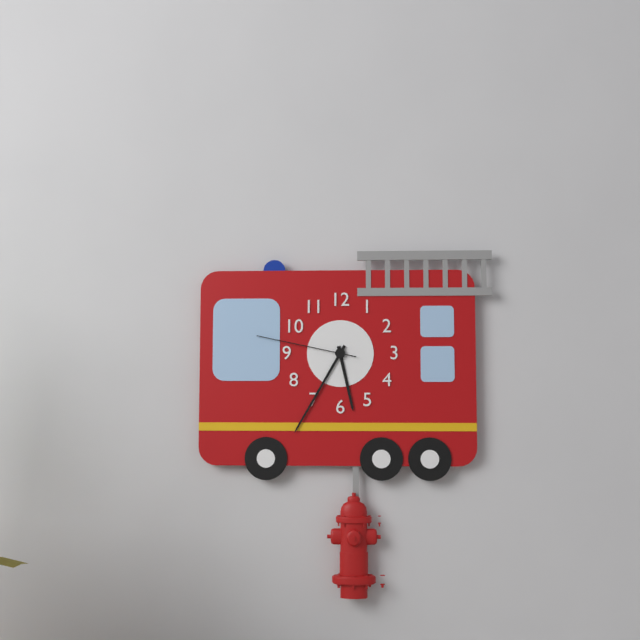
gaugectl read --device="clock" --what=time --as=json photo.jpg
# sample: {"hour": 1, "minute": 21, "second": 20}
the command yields {"hour": 5, "minute": 35, "second": 47}
